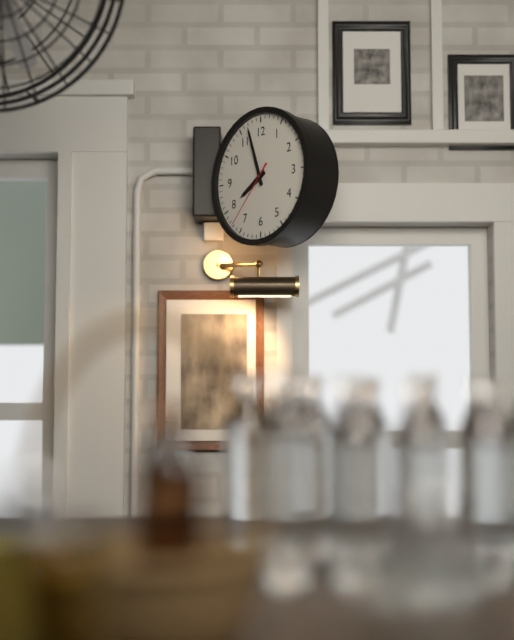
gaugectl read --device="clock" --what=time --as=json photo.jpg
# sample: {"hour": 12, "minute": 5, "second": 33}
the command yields {"hour": 7, "minute": 57, "second": 37}
